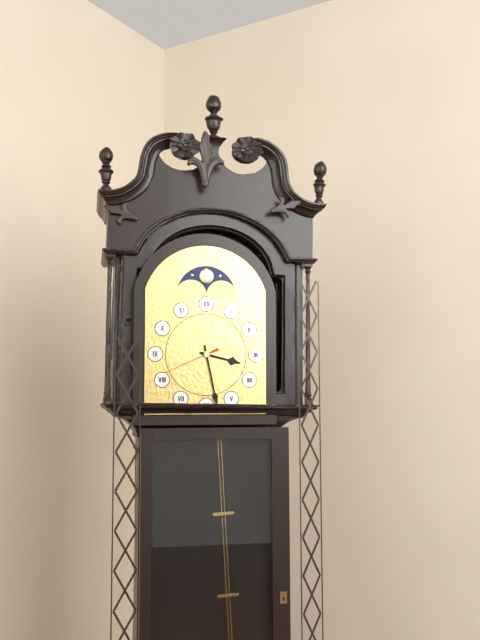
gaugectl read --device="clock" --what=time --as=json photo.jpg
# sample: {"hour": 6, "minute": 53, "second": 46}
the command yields {"hour": 3, "minute": 28, "second": 41}
